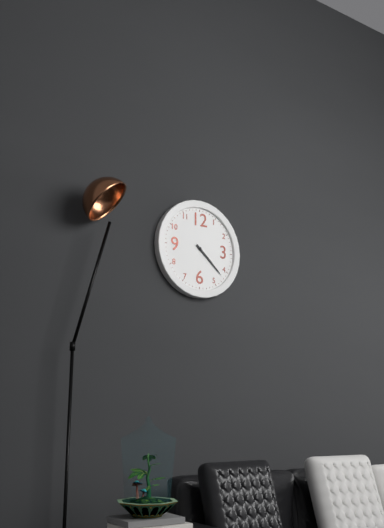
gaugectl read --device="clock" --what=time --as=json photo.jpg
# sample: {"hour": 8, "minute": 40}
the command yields {"hour": 4, "minute": 22}
